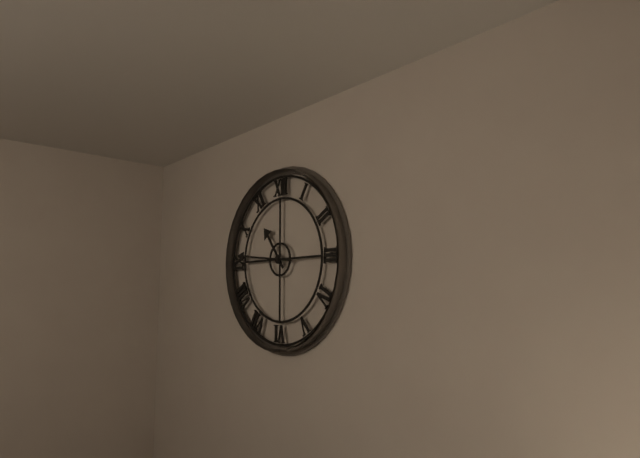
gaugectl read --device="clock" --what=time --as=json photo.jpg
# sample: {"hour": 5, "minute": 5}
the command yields {"hour": 10, "minute": 46}
